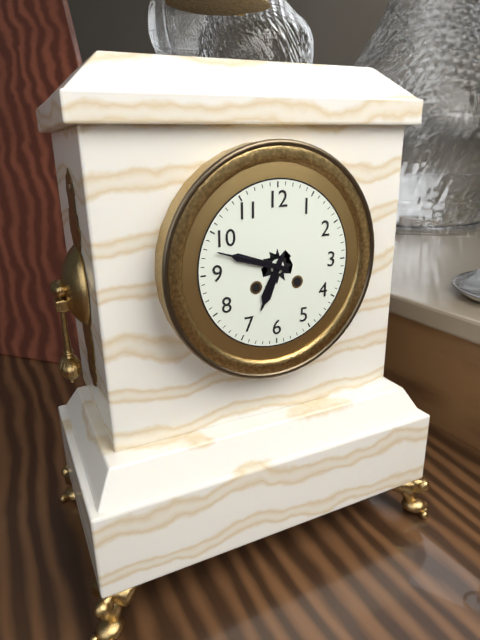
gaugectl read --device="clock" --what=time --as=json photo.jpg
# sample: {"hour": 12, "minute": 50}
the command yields {"hour": 6, "minute": 48}
